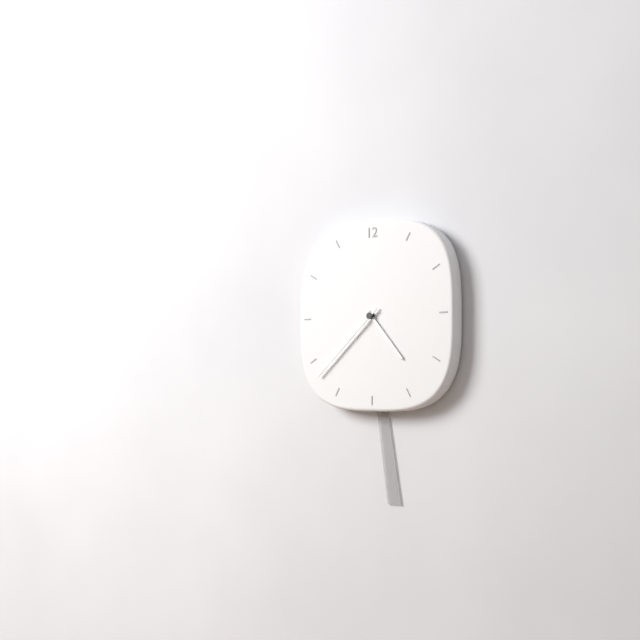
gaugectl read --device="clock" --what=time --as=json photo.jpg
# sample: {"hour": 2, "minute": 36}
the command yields {"hour": 4, "minute": 38}
